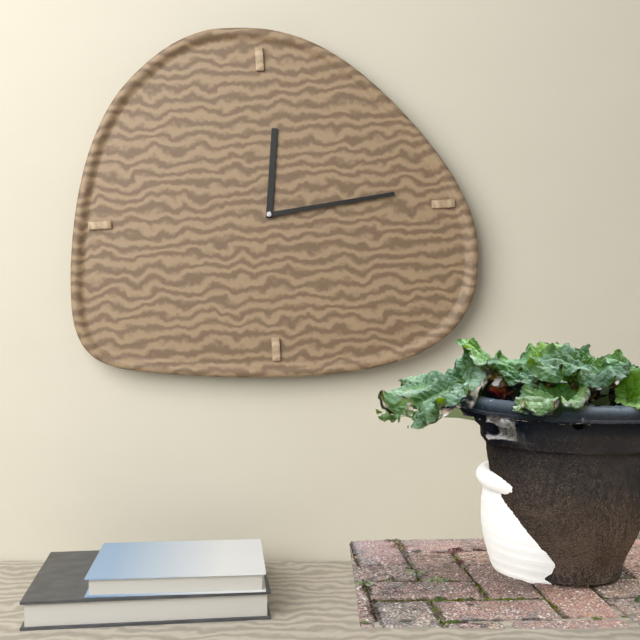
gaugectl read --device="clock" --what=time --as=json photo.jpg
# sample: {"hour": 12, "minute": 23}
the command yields {"hour": 12, "minute": 14}
